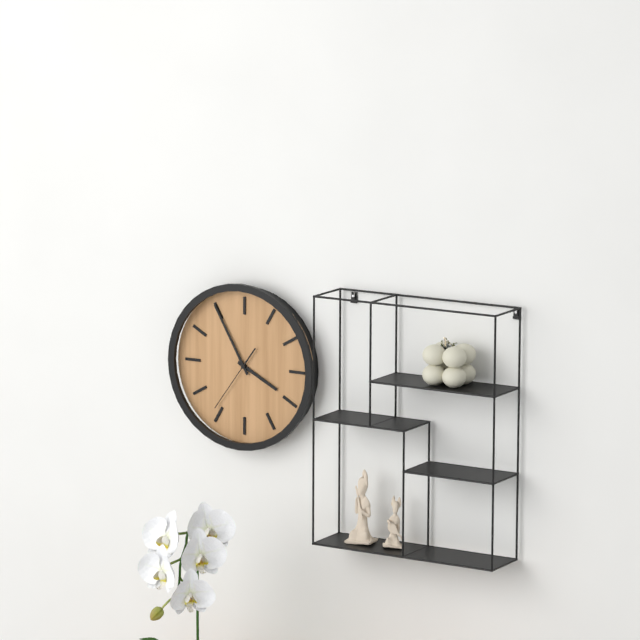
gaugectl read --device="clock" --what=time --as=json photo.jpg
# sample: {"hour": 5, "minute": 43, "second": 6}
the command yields {"hour": 3, "minute": 55, "second": 36}
